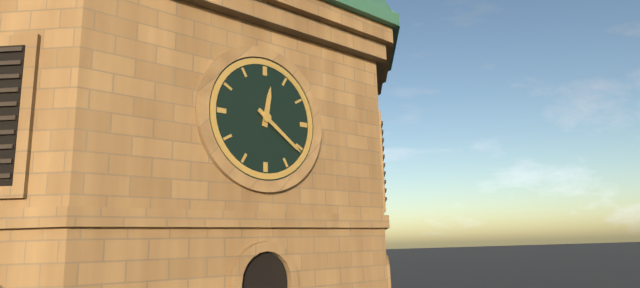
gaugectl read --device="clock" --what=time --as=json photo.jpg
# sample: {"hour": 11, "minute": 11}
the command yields {"hour": 12, "minute": 21}
